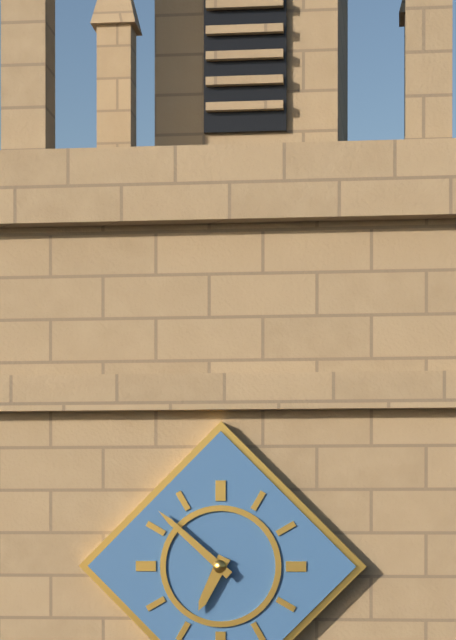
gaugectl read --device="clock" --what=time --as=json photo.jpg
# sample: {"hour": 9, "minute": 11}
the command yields {"hour": 6, "minute": 52}
